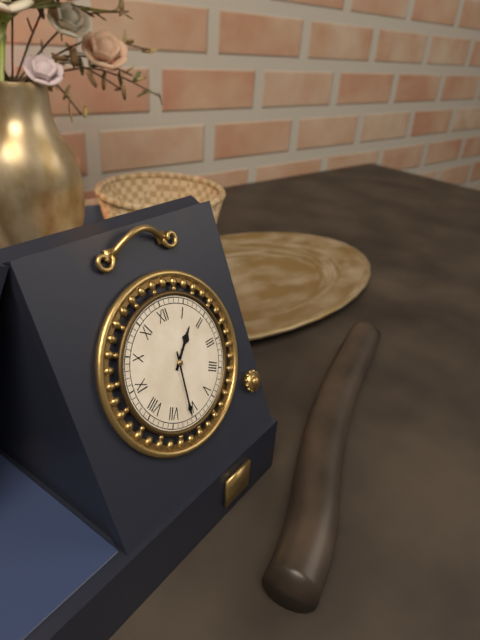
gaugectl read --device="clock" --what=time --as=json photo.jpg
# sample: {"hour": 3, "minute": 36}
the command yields {"hour": 1, "minute": 31}
